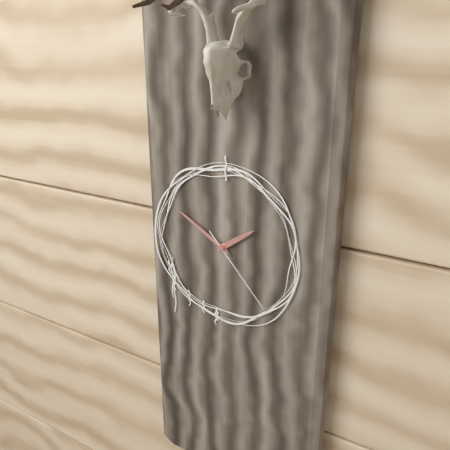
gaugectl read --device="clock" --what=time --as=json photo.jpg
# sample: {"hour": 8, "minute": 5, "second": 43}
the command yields {"hour": 1, "minute": 50, "second": 23}
